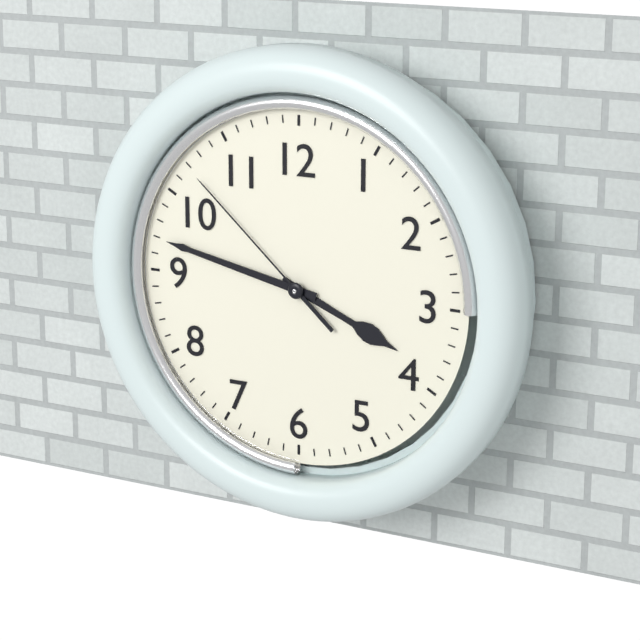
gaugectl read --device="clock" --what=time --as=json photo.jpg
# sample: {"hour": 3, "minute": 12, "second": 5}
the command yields {"hour": 3, "minute": 47, "second": 52}
